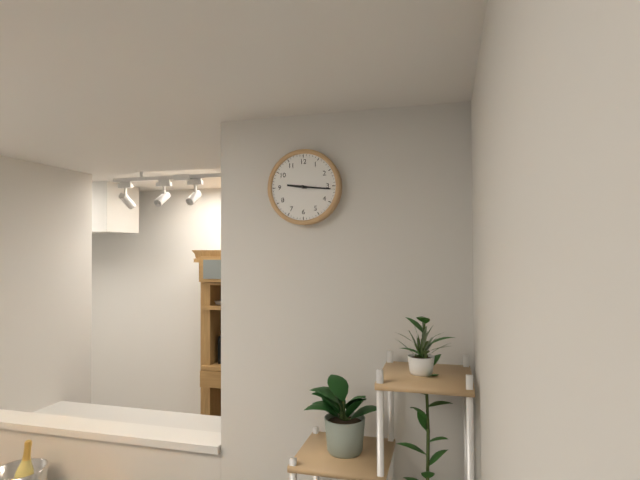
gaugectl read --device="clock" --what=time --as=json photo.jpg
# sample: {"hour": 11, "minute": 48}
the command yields {"hour": 9, "minute": 16}
